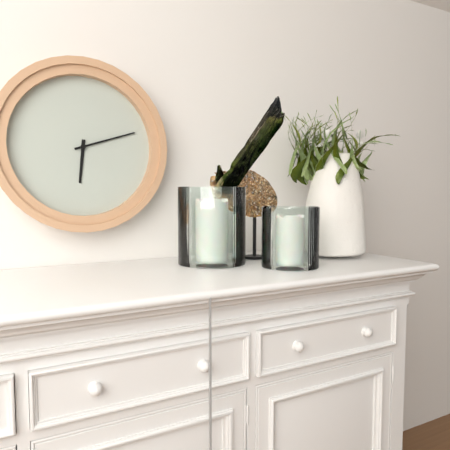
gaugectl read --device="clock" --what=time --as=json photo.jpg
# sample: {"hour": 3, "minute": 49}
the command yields {"hour": 6, "minute": 12}
